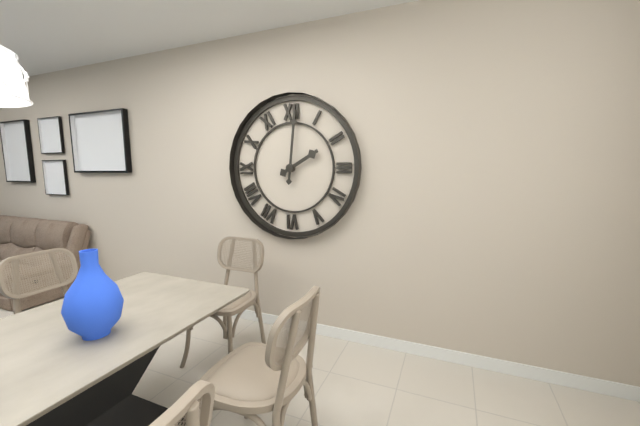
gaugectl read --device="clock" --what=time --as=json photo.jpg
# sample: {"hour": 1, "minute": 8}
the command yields {"hour": 2, "minute": 1}
